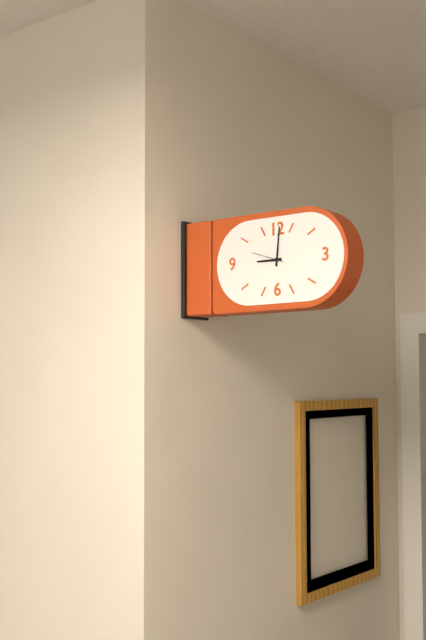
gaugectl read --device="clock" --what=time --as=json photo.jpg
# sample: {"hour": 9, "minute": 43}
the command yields {"hour": 9, "minute": 1}
